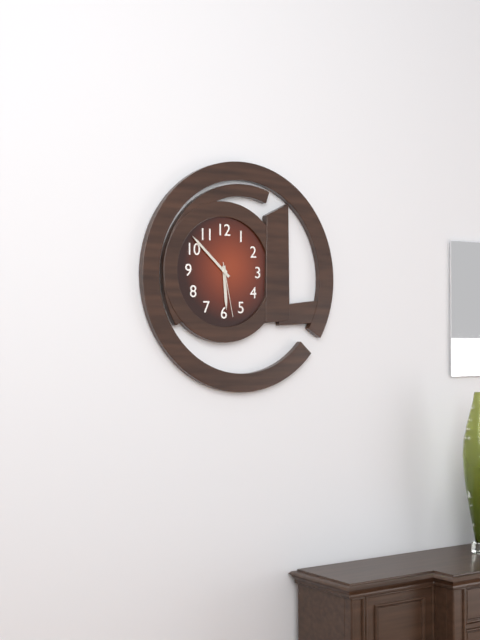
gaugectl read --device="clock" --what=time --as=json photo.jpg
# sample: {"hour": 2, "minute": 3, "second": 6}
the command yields {"hour": 5, "minute": 52, "second": 28}
